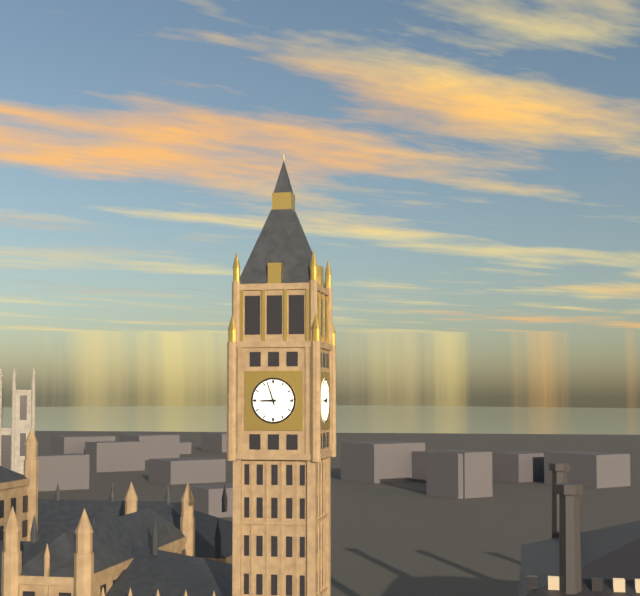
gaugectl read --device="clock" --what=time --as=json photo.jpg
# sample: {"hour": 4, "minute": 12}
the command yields {"hour": 8, "minute": 57}
